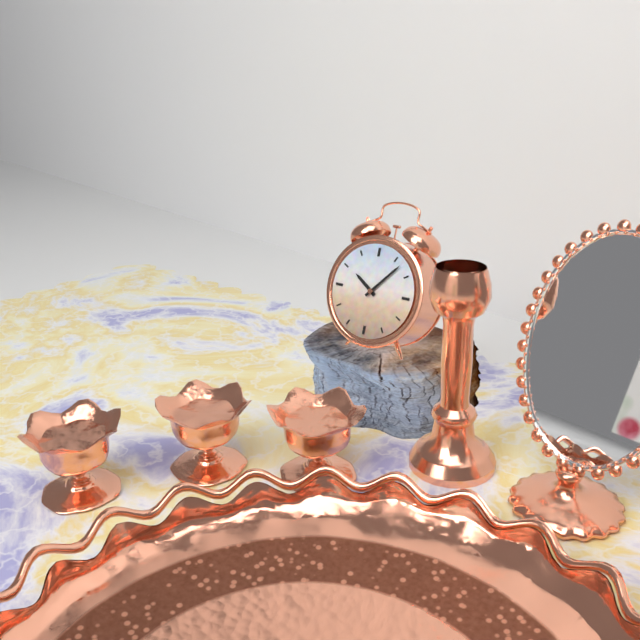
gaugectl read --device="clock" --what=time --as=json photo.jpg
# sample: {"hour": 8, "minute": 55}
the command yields {"hour": 10, "minute": 7}
